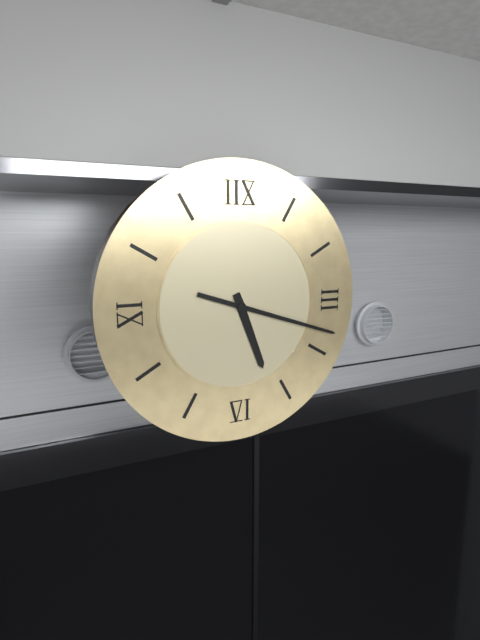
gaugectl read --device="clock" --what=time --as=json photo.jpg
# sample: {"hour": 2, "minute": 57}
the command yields {"hour": 5, "minute": 18}
